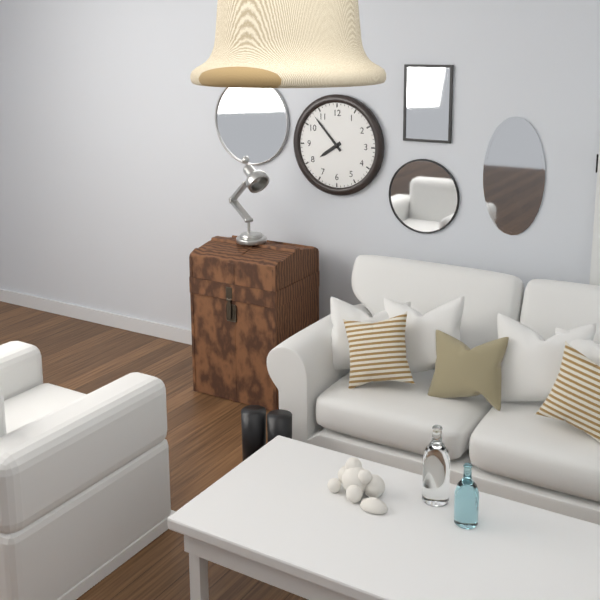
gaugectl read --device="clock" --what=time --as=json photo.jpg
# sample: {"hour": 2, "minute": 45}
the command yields {"hour": 7, "minute": 53}
